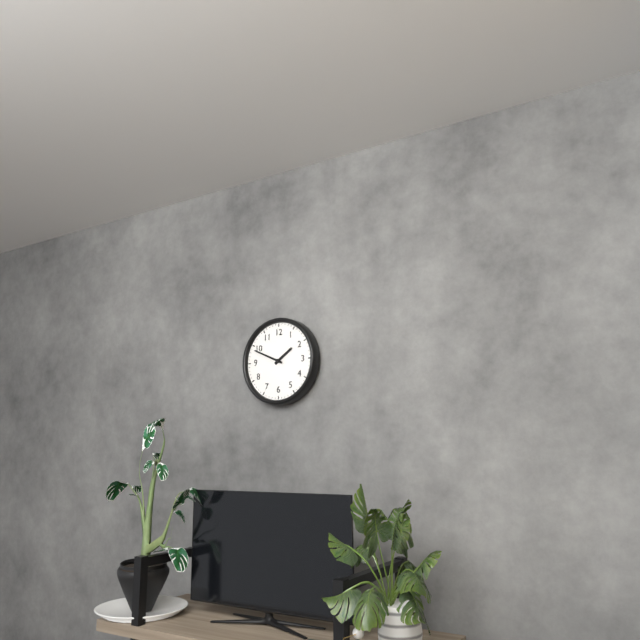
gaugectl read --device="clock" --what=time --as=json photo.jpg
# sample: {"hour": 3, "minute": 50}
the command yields {"hour": 1, "minute": 49}
